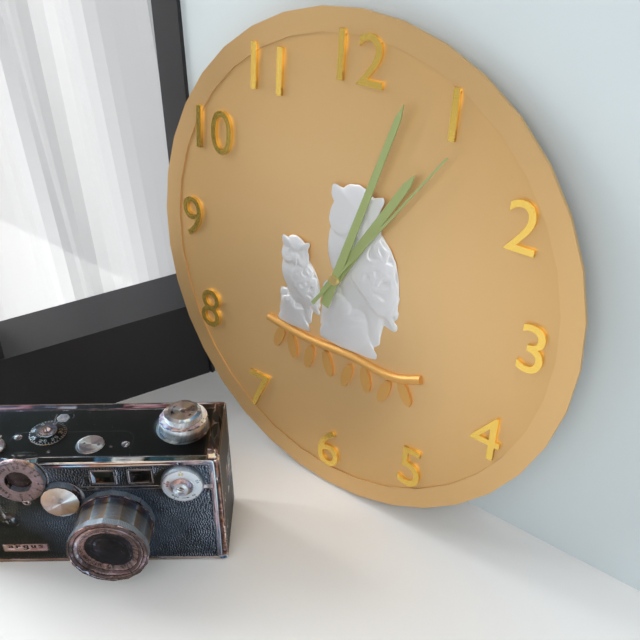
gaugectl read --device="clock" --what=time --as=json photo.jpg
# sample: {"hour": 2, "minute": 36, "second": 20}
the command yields {"hour": 1, "minute": 3, "second": 6}
